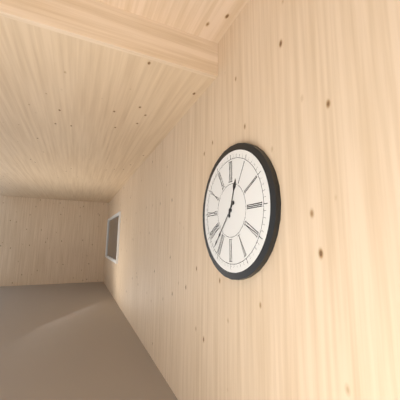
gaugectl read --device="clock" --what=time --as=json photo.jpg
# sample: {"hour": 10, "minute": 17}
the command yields {"hour": 12, "minute": 37}
